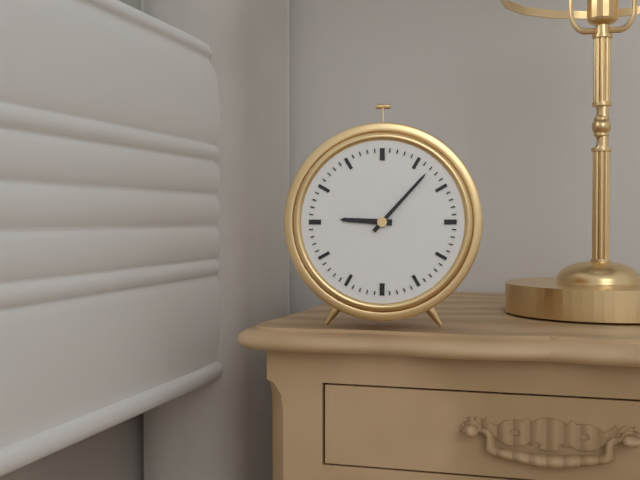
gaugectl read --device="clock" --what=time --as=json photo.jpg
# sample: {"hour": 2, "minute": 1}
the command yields {"hour": 9, "minute": 7}
